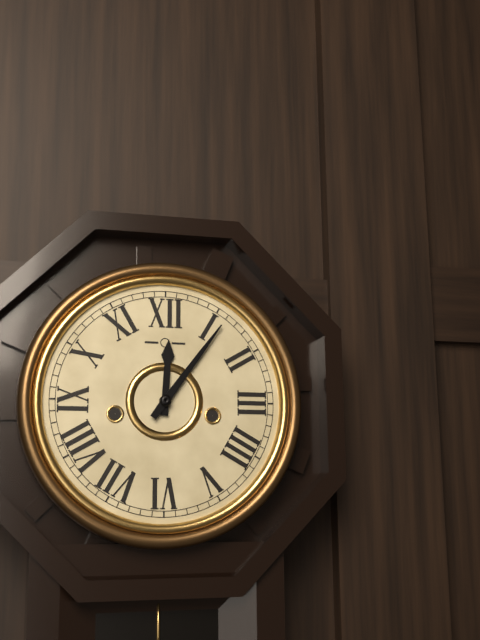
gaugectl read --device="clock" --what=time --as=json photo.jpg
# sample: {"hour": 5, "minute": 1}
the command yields {"hour": 12, "minute": 6}
